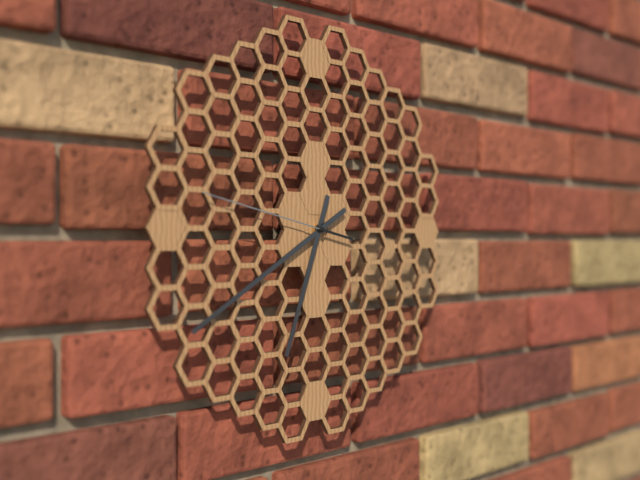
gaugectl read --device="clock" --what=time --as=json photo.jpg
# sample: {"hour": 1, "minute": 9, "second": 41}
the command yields {"hour": 6, "minute": 40, "second": 47}
